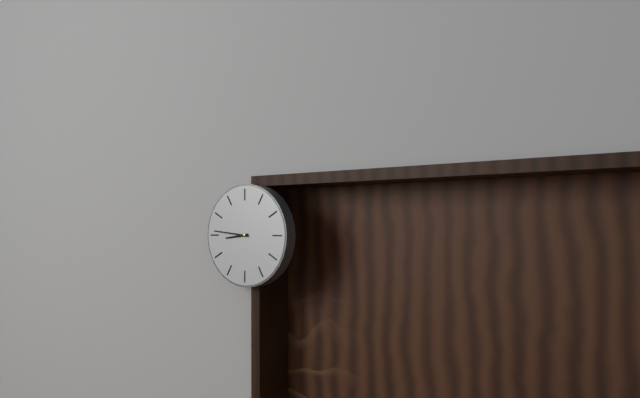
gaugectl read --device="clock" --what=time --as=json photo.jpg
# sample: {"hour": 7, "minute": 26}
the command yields {"hour": 8, "minute": 46}
